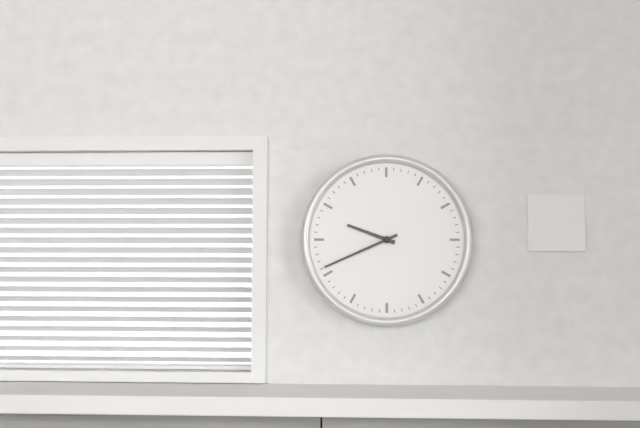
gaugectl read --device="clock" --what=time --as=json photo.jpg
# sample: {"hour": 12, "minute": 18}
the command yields {"hour": 9, "minute": 41}
